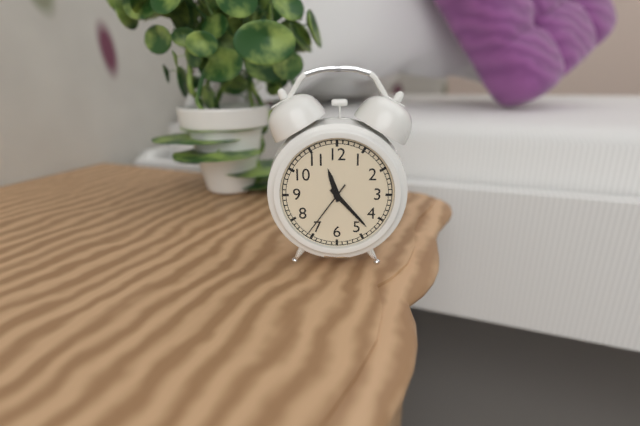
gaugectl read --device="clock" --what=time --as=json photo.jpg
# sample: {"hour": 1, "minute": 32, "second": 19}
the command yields {"hour": 11, "minute": 23, "second": 36}
